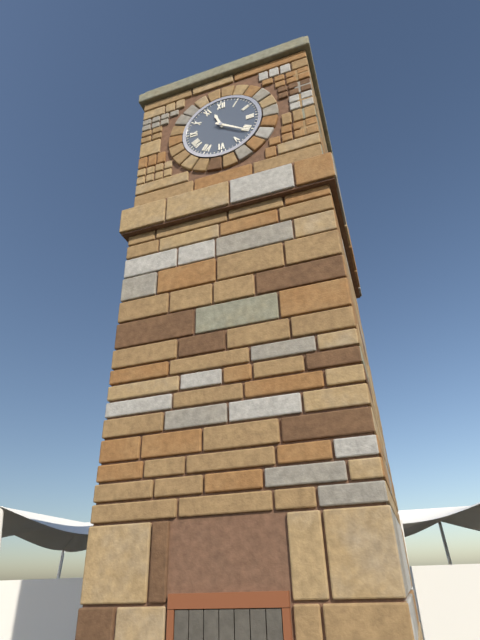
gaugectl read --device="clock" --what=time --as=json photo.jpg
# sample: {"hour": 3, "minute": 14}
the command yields {"hour": 11, "minute": 21}
